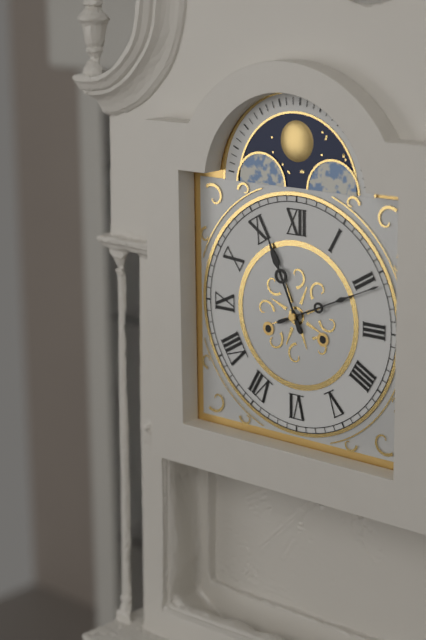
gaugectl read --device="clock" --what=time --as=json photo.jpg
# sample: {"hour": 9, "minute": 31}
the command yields {"hour": 11, "minute": 11}
